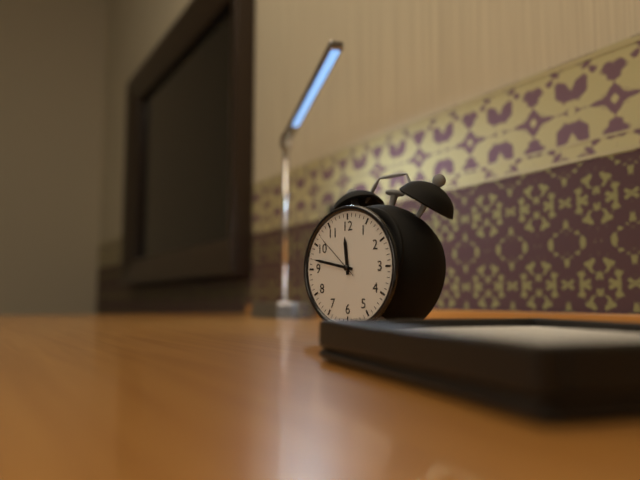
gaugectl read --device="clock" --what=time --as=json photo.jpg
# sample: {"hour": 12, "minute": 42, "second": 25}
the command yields {"hour": 11, "minute": 47, "second": 52}
